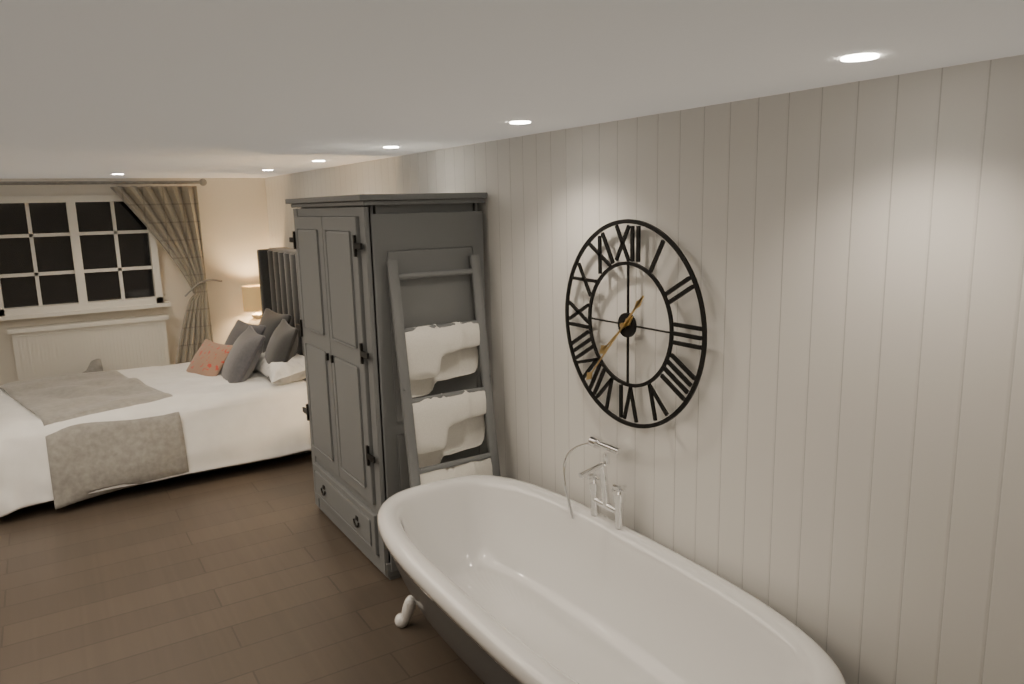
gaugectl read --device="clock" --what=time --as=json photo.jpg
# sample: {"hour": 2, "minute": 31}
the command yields {"hour": 7, "minute": 37}
